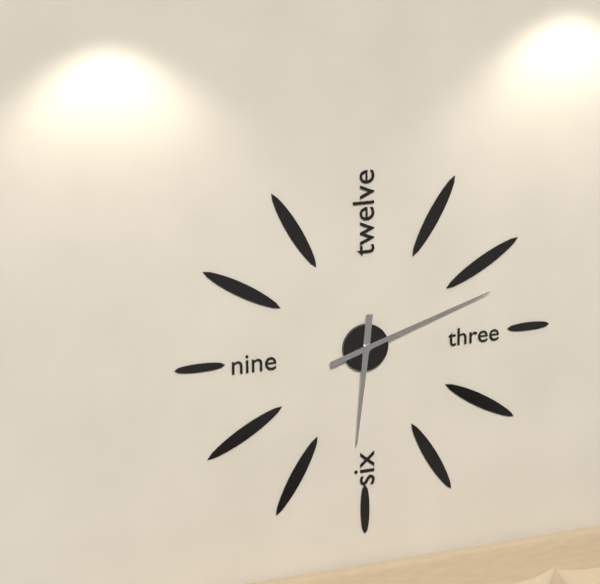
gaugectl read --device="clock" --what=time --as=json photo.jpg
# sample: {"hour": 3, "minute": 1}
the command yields {"hour": 6, "minute": 12}
